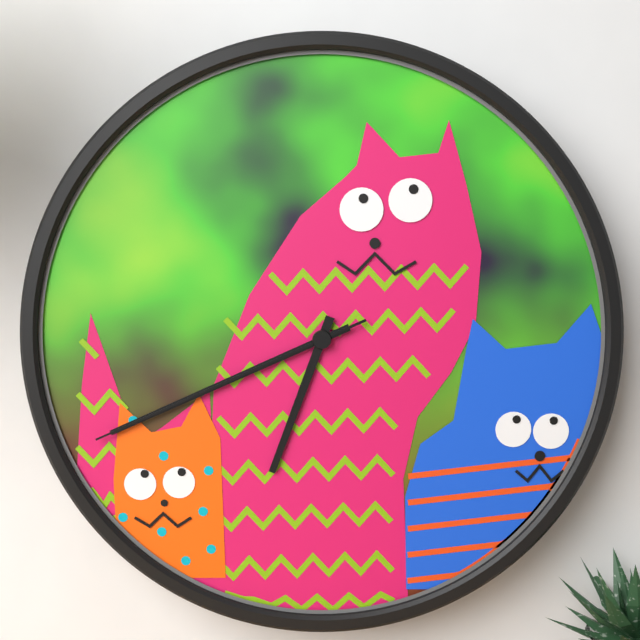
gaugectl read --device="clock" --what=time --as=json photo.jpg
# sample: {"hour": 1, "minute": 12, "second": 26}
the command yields {"hour": 6, "minute": 41, "second": 41}
